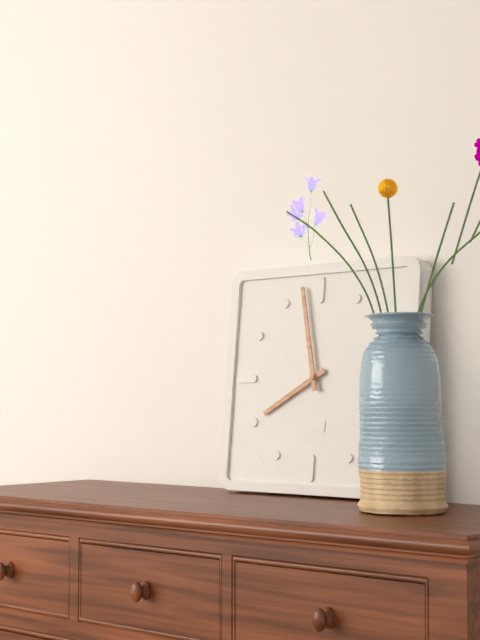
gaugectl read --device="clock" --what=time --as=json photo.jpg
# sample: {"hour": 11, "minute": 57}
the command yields {"hour": 7, "minute": 58}
